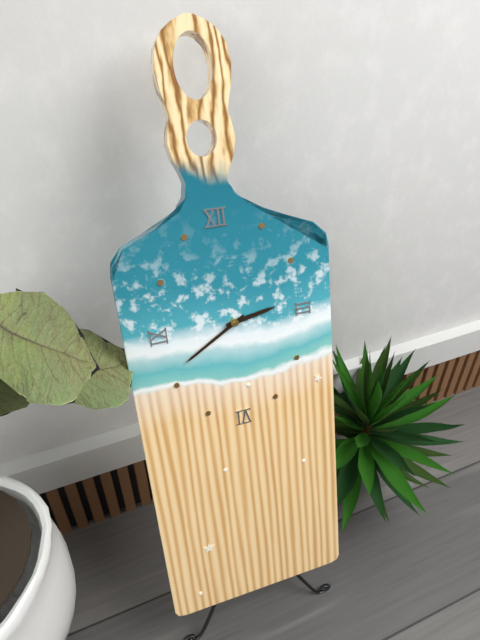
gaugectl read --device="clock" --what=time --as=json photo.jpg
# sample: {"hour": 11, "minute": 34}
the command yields {"hour": 2, "minute": 40}
